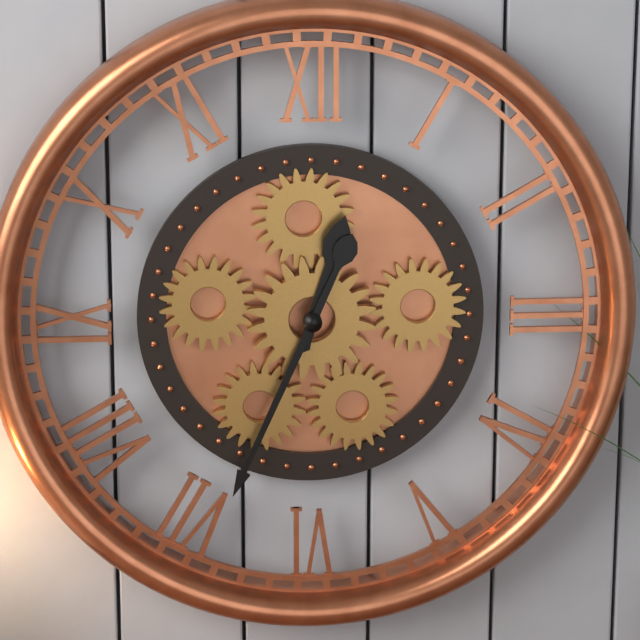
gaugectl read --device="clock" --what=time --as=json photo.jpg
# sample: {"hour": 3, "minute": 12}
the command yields {"hour": 12, "minute": 34}
